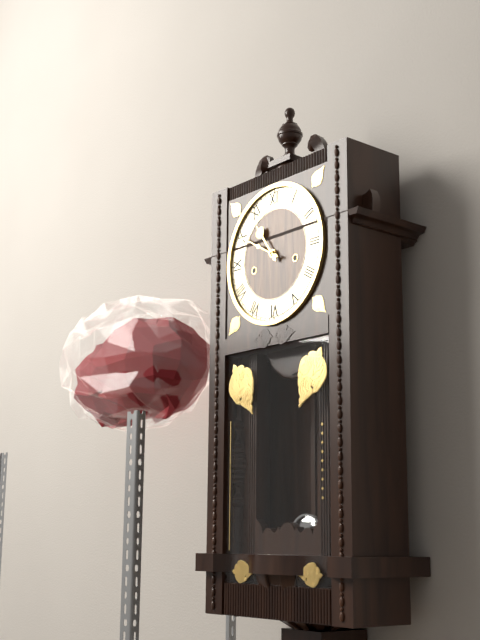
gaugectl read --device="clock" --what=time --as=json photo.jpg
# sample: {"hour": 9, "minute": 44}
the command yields {"hour": 10, "minute": 50}
